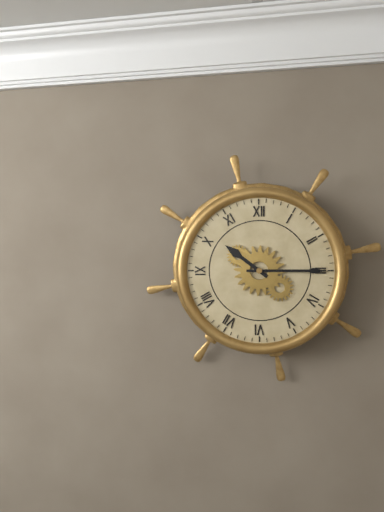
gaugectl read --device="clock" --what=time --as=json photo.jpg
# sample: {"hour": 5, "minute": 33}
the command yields {"hour": 10, "minute": 15}
